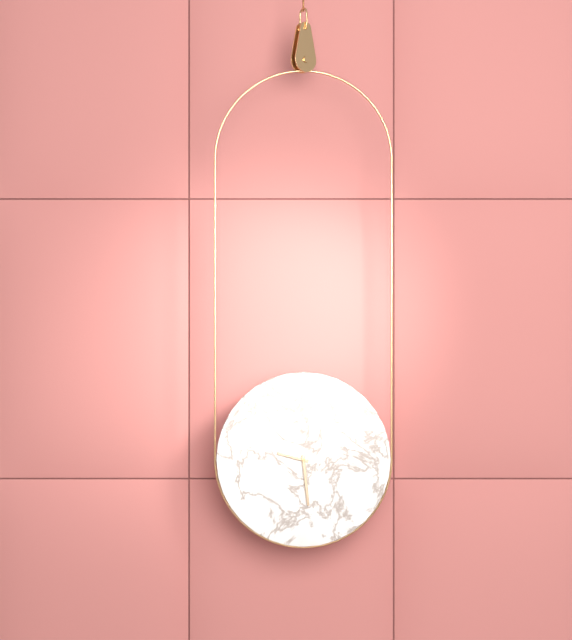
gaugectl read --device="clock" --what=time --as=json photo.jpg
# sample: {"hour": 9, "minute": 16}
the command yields {"hour": 9, "minute": 29}
